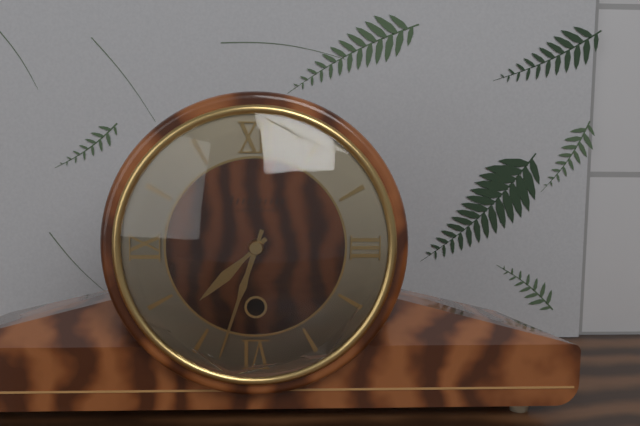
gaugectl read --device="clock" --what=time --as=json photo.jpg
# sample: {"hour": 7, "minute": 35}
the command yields {"hour": 7, "minute": 33}
